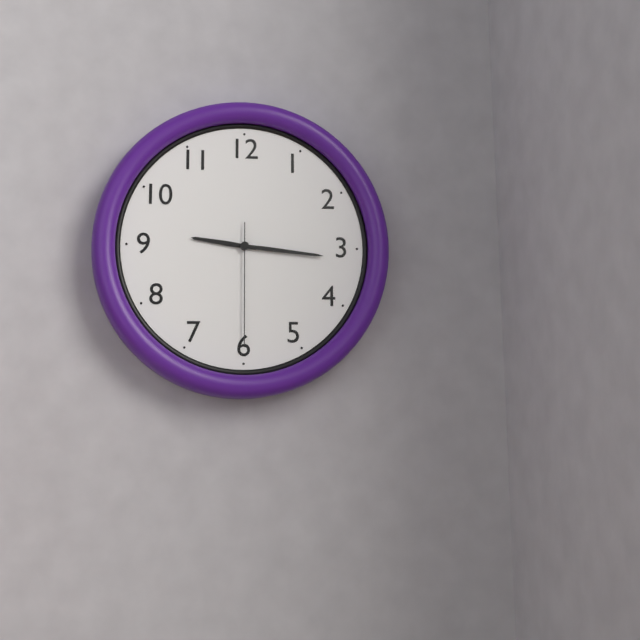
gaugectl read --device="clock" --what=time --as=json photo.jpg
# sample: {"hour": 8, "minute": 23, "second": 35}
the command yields {"hour": 9, "minute": 16, "second": 30}
